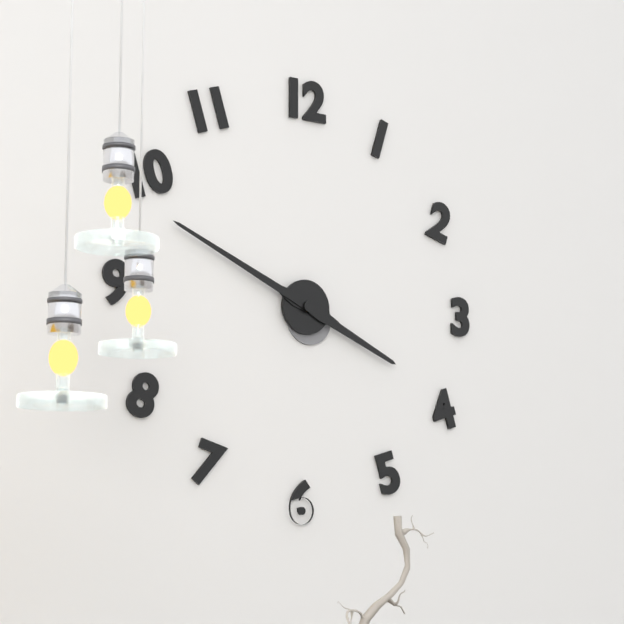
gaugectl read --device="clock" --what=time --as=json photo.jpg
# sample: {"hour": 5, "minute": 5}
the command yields {"hour": 3, "minute": 49}
